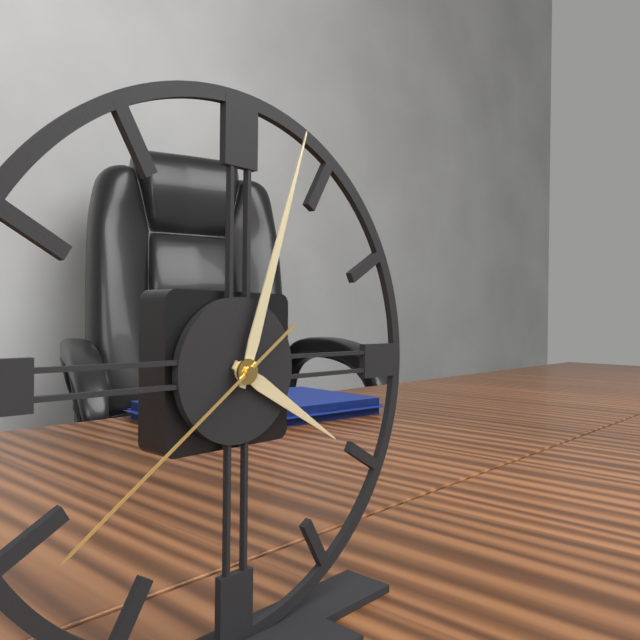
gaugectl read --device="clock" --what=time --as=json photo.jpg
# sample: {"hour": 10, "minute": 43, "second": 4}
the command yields {"hour": 4, "minute": 3, "second": 39}
